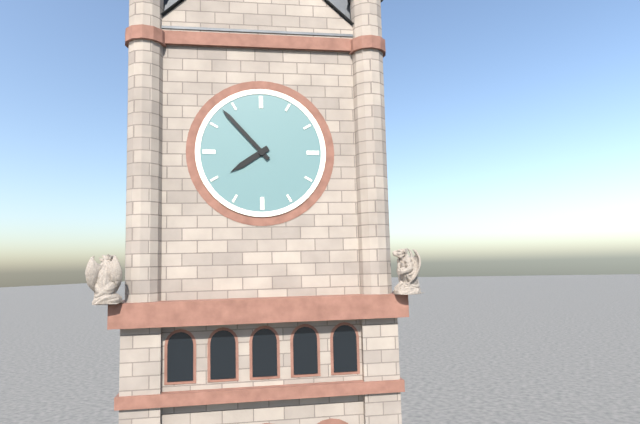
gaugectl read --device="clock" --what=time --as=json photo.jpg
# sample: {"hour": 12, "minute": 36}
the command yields {"hour": 7, "minute": 53}
